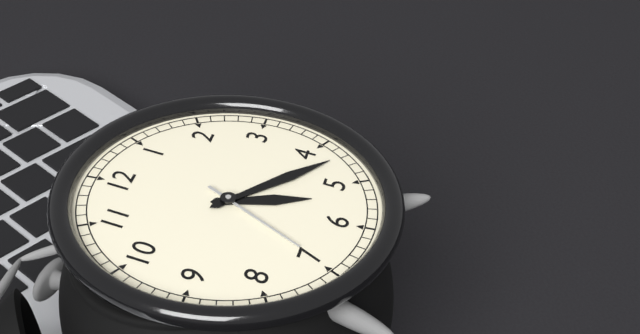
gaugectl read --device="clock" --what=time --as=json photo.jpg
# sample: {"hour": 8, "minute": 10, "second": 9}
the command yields {"hour": 5, "minute": 22, "second": 35}
